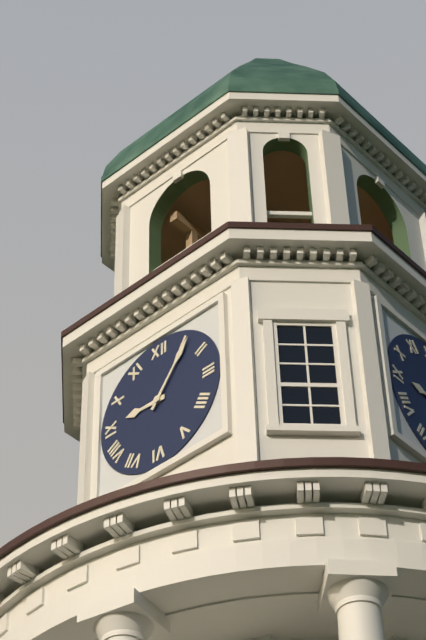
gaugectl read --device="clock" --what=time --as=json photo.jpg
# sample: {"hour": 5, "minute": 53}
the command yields {"hour": 9, "minute": 6}
